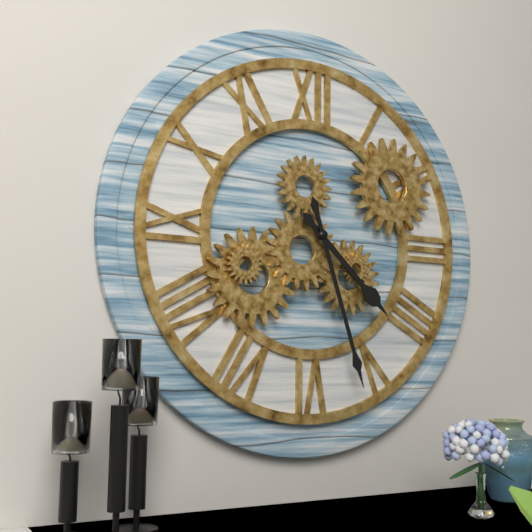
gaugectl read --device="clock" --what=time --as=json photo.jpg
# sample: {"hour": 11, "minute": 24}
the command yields {"hour": 4, "minute": 27}
